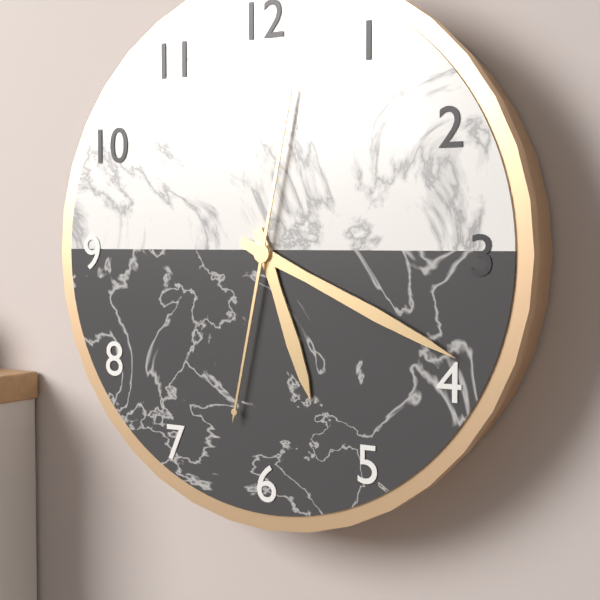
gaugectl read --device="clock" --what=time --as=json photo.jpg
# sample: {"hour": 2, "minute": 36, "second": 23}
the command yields {"hour": 5, "minute": 19, "second": 32}
